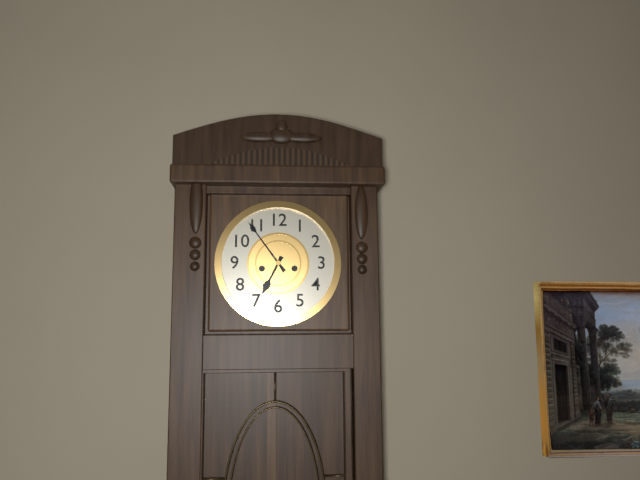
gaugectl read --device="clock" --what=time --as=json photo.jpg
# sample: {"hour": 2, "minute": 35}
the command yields {"hour": 6, "minute": 54}
